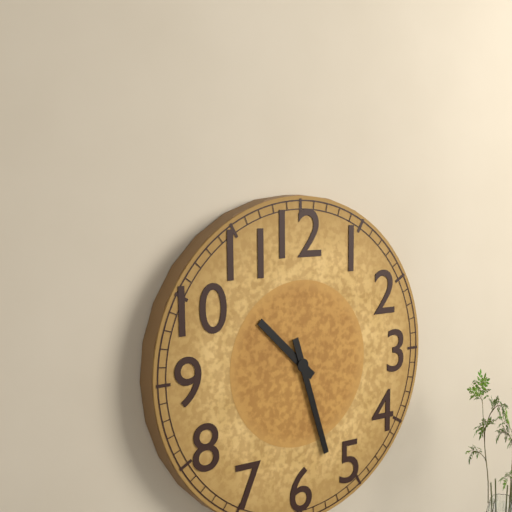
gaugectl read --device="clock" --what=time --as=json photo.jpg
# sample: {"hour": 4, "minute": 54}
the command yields {"hour": 10, "minute": 27}
